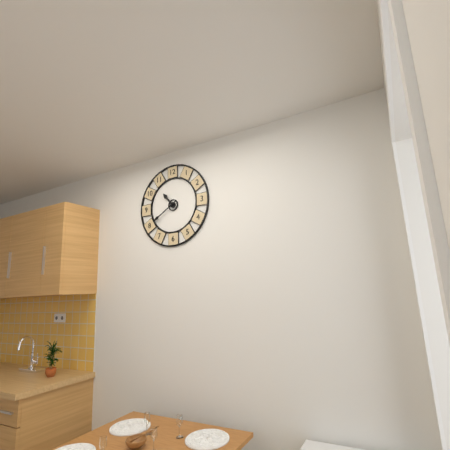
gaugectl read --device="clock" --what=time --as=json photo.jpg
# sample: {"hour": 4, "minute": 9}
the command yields {"hour": 10, "minute": 40}
